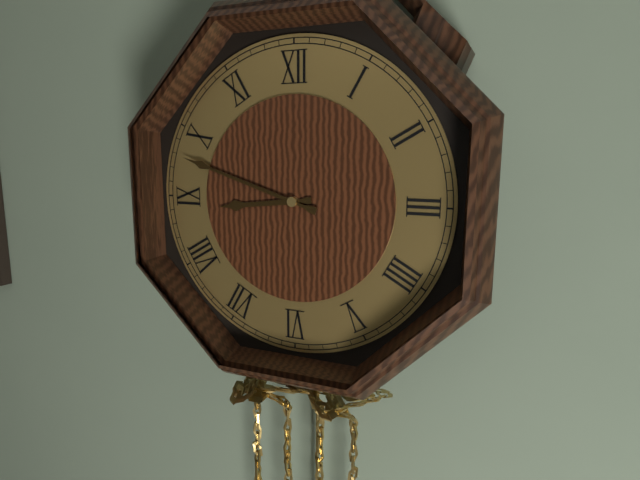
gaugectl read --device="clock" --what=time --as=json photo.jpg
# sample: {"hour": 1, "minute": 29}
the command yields {"hour": 8, "minute": 48}
